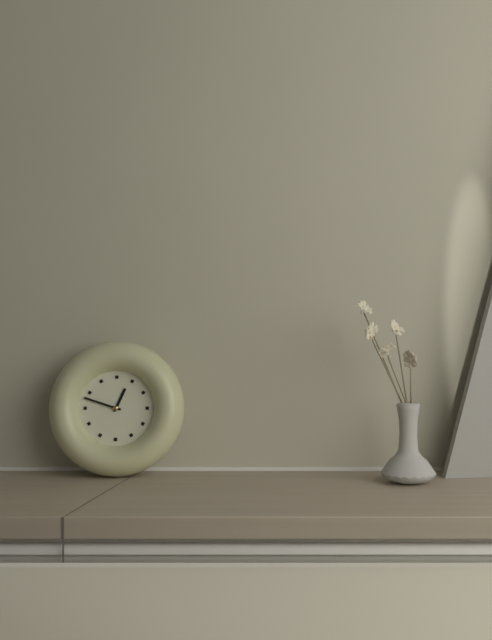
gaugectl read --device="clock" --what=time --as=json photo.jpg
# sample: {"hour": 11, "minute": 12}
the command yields {"hour": 12, "minute": 48}
